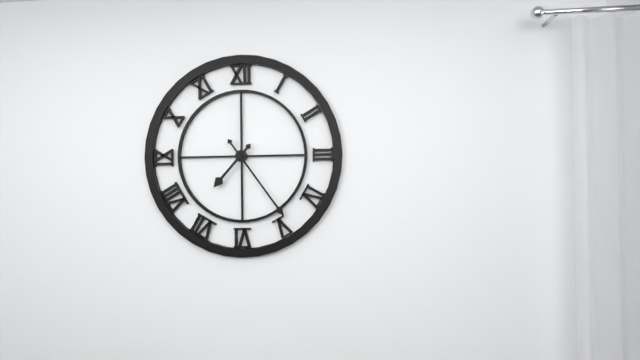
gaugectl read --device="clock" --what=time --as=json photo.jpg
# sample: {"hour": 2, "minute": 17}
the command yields {"hour": 7, "minute": 24}
